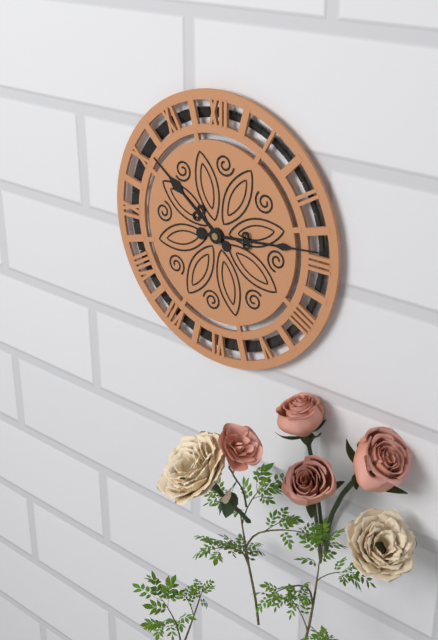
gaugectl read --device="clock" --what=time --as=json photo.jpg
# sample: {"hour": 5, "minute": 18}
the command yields {"hour": 10, "minute": 14}
